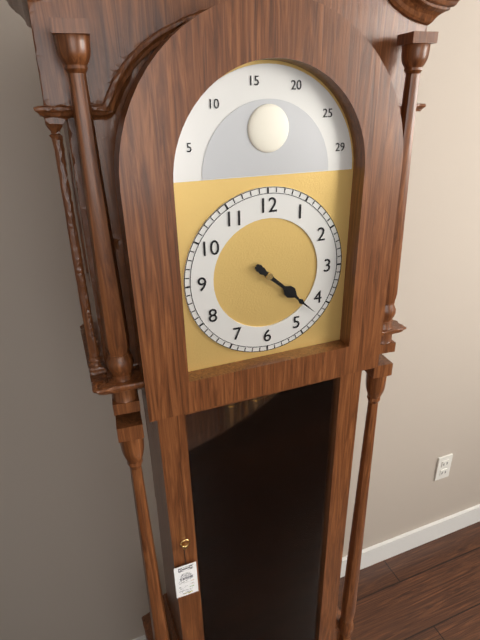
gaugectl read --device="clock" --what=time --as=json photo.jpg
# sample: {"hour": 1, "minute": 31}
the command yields {"hour": 4, "minute": 22}
